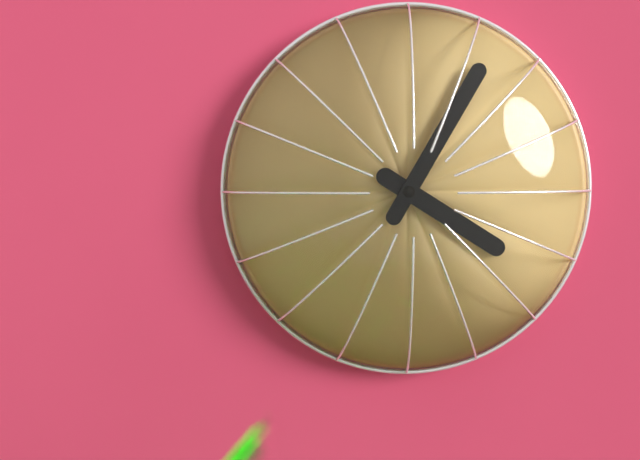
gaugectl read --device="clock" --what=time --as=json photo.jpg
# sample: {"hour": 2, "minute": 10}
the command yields {"hour": 4, "minute": 5}
